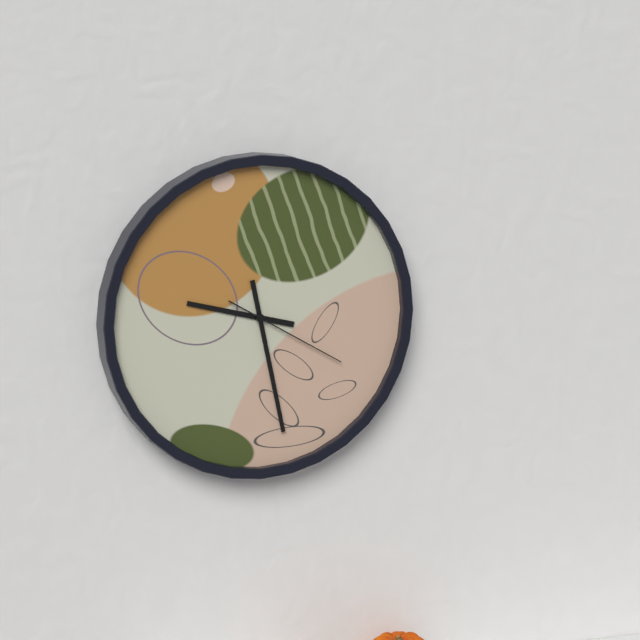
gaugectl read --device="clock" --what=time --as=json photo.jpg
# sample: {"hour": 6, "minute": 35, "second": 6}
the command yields {"hour": 9, "minute": 28, "second": 20}
